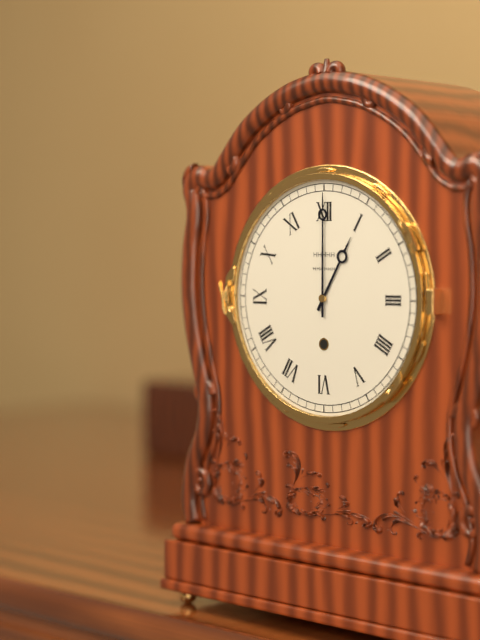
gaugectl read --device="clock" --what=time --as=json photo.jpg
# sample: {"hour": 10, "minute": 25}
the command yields {"hour": 1, "minute": 0}
